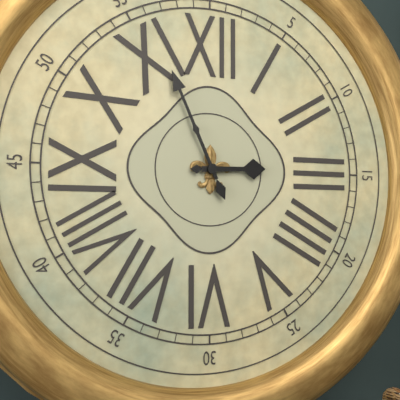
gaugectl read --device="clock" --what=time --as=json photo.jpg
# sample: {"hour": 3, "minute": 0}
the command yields {"hour": 2, "minute": 56}
